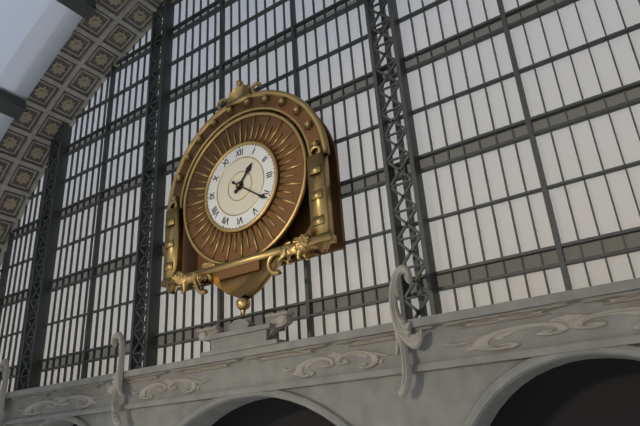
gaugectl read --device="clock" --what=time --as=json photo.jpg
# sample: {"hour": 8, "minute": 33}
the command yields {"hour": 1, "minute": 21}
